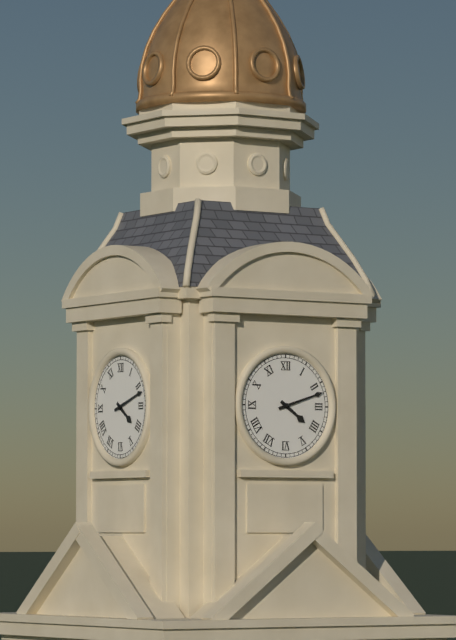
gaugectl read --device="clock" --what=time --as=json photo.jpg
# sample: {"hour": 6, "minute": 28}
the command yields {"hour": 4, "minute": 12}
